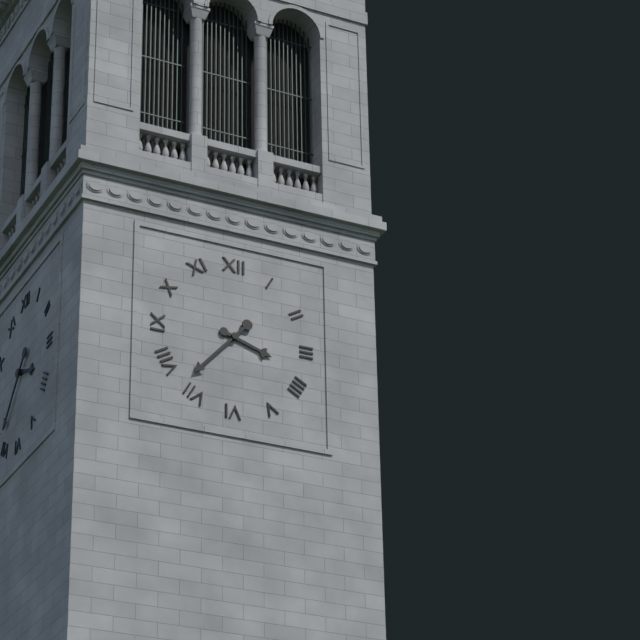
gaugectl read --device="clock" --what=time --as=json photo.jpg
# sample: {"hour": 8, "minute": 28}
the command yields {"hour": 3, "minute": 37}
